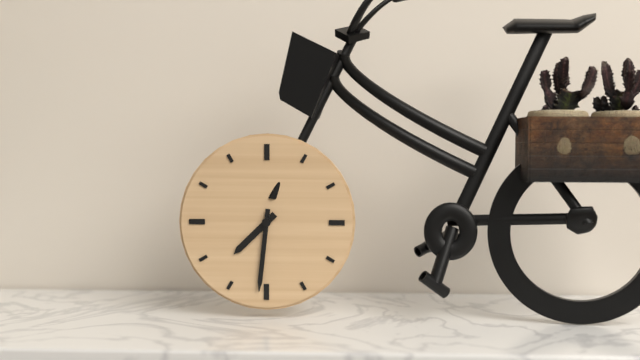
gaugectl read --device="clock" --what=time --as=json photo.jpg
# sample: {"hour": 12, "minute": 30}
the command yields {"hour": 7, "minute": 31}
